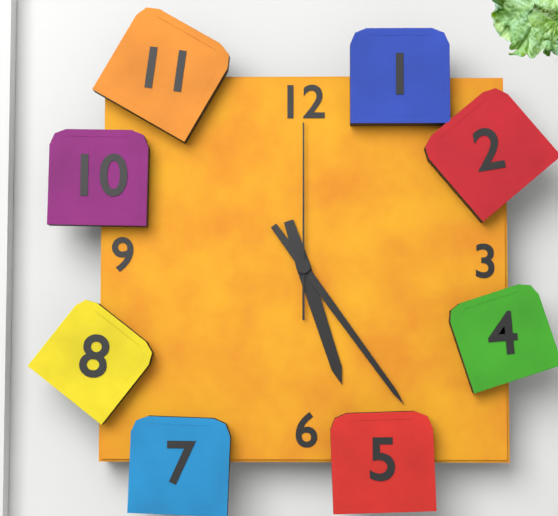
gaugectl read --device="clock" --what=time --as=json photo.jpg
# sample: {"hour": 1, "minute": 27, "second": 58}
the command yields {"hour": 5, "minute": 24, "second": 0}
